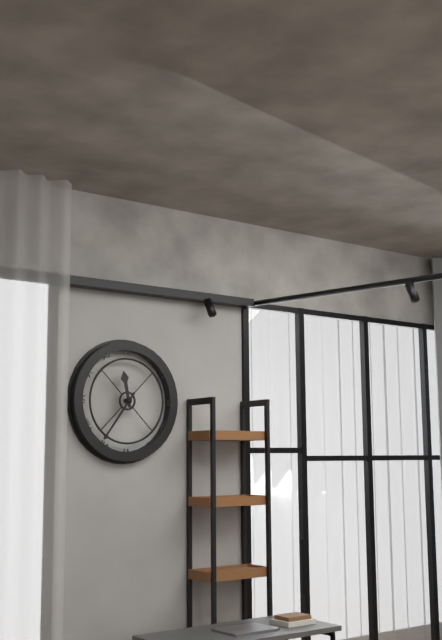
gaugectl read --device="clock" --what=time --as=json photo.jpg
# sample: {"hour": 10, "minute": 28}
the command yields {"hour": 11, "minute": 36}
